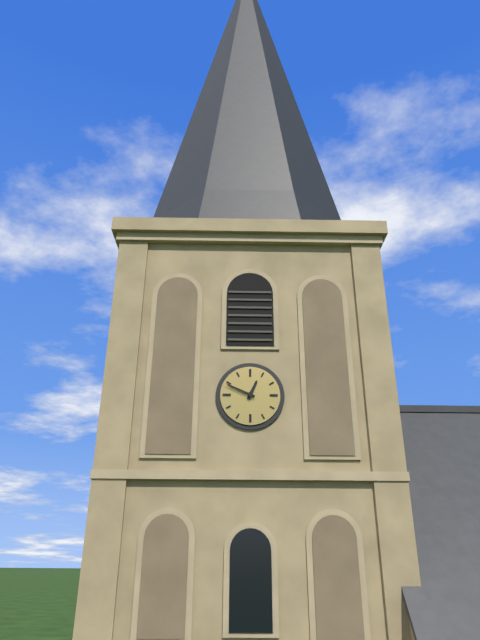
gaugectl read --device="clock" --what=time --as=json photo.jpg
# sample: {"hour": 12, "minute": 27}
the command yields {"hour": 12, "minute": 49}
